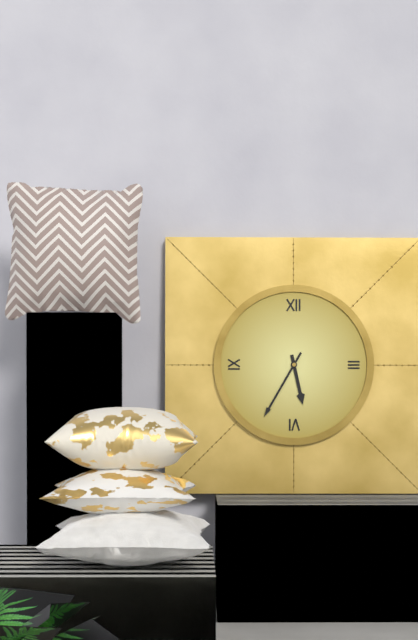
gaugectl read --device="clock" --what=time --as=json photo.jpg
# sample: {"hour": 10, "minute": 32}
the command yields {"hour": 5, "minute": 35}
